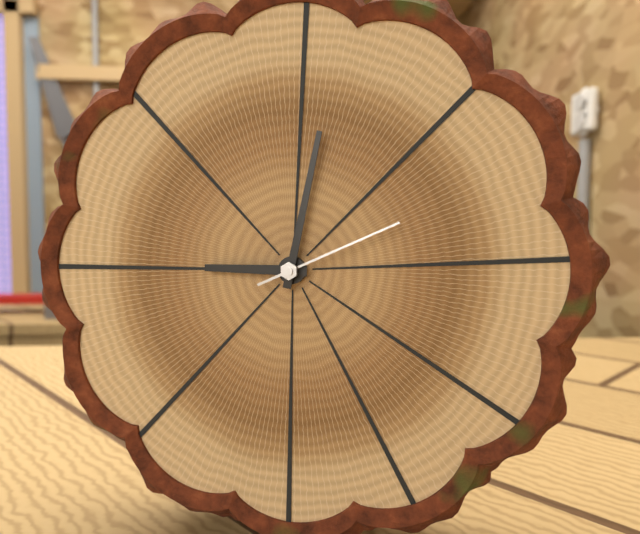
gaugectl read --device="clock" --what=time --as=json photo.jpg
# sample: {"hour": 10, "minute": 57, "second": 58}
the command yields {"hour": 9, "minute": 2, "second": 11}
